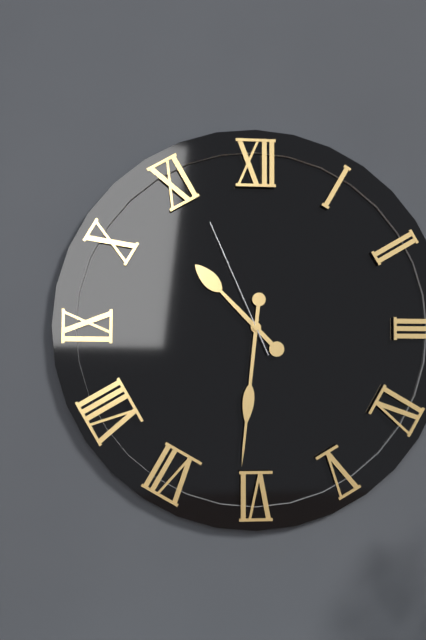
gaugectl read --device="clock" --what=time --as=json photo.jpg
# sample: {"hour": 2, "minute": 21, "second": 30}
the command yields {"hour": 10, "minute": 31, "second": 56}
